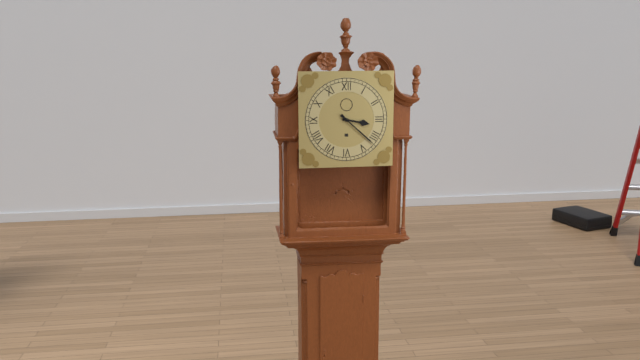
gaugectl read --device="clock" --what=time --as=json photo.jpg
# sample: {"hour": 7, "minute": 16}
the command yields {"hour": 3, "minute": 22}
